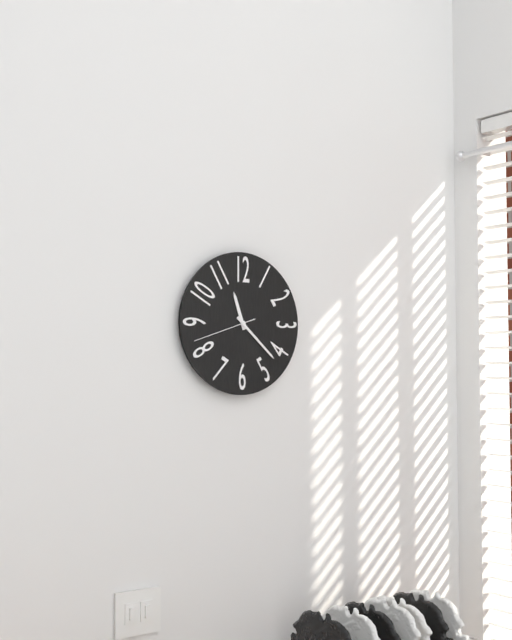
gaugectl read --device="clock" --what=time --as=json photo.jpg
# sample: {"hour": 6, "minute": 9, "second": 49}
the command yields {"hour": 11, "minute": 22, "second": 42}
